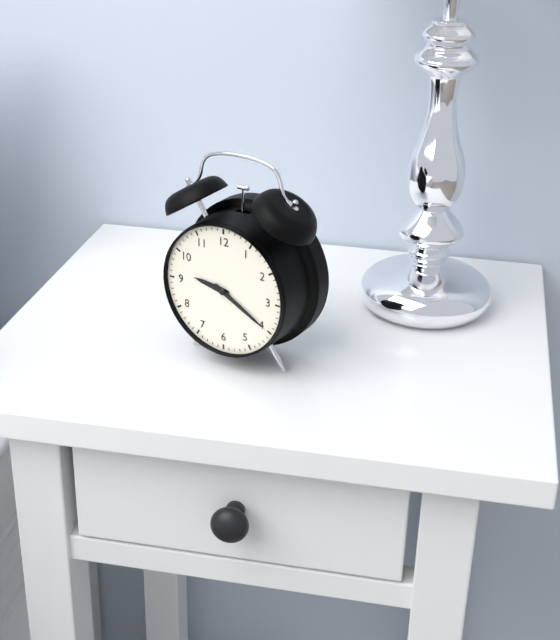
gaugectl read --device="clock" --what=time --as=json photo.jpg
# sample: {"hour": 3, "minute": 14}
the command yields {"hour": 9, "minute": 20}
